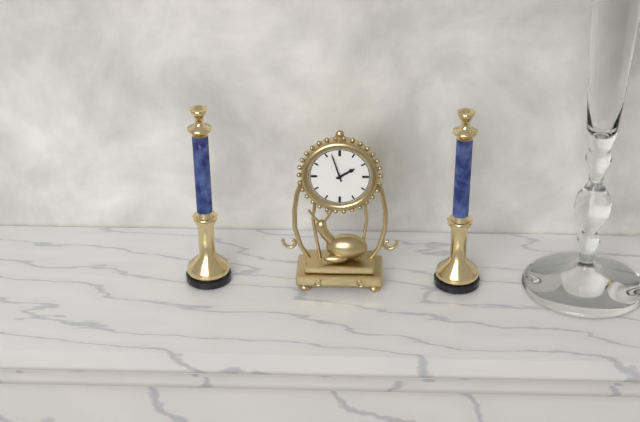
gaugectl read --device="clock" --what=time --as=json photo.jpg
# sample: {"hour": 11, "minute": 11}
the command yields {"hour": 1, "minute": 57}
